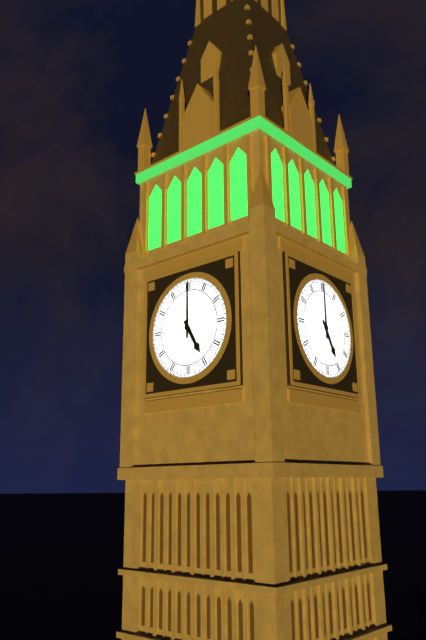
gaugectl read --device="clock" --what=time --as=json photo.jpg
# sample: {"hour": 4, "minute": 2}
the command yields {"hour": 5, "minute": 0}
